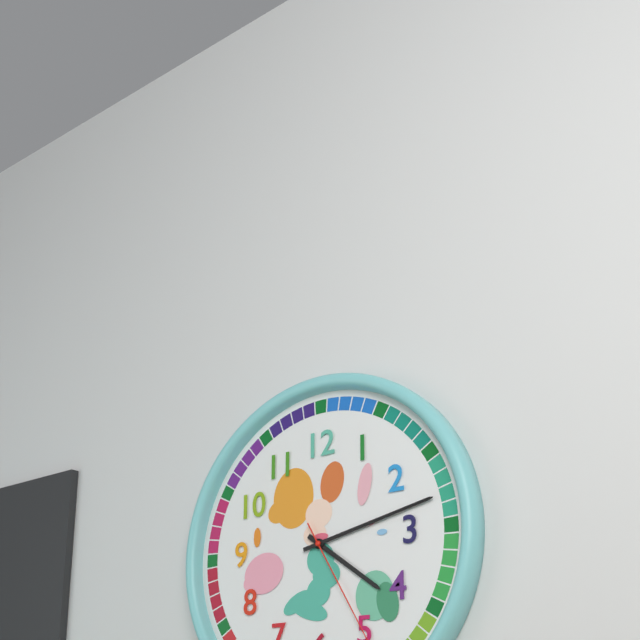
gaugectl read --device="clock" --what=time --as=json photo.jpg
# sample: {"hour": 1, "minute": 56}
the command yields {"hour": 4, "minute": 13}
